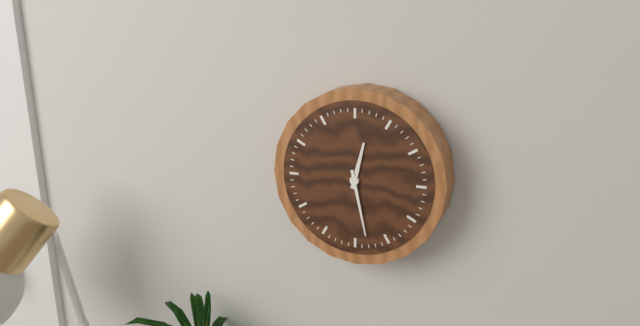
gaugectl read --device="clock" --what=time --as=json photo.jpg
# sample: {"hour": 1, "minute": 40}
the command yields {"hour": 12, "minute": 28}
